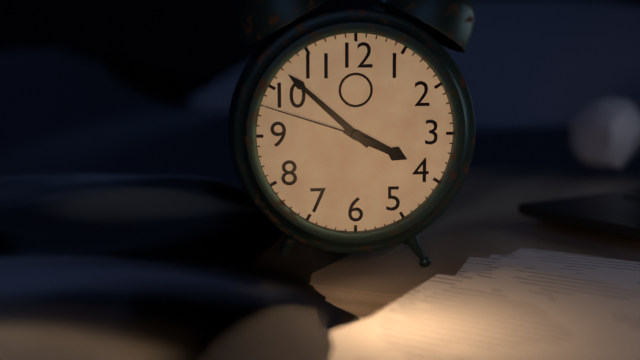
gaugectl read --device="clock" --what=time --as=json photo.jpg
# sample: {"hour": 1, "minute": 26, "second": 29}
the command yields {"hour": 3, "minute": 52, "second": 48}
